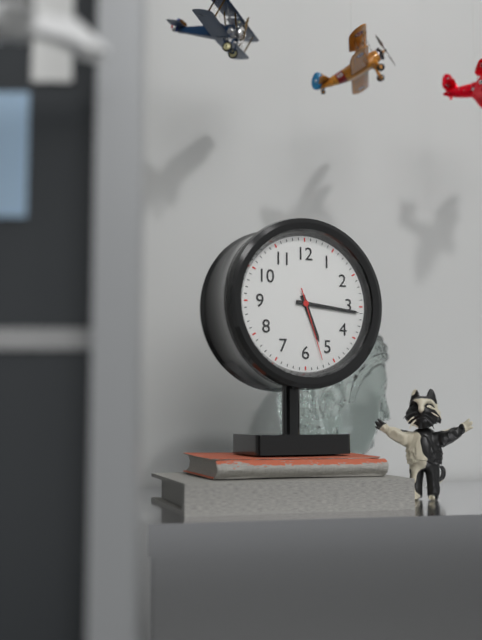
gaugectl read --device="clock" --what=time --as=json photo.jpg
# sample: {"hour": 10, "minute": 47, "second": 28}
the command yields {"hour": 5, "minute": 16, "second": 27}
